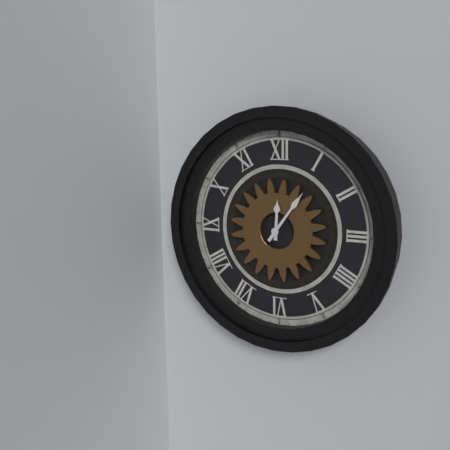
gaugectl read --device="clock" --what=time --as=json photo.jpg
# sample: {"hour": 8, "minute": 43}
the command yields {"hour": 12, "minute": 6}
